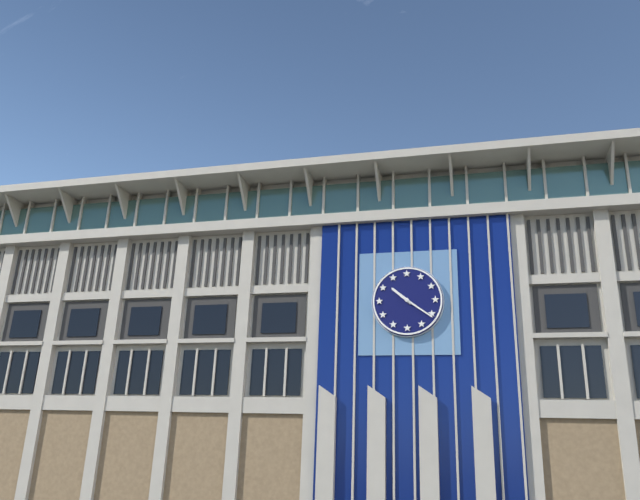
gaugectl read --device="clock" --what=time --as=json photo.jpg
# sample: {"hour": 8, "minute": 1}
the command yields {"hour": 10, "minute": 21}
